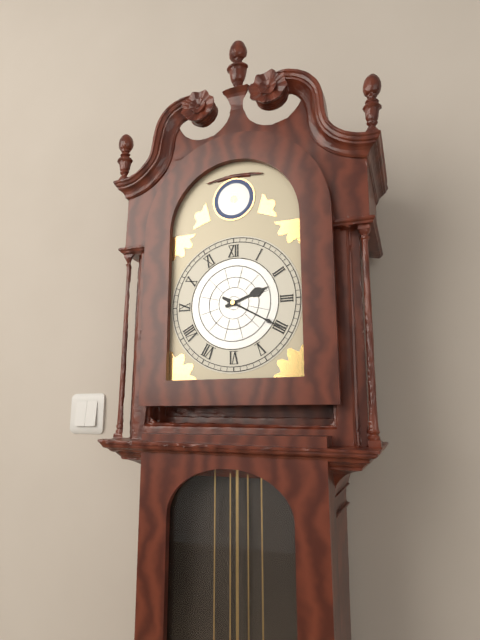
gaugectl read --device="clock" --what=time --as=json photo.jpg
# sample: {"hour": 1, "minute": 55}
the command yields {"hour": 2, "minute": 20}
